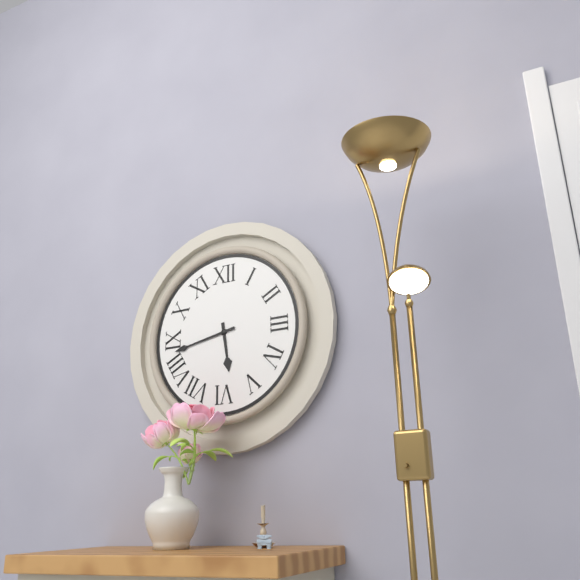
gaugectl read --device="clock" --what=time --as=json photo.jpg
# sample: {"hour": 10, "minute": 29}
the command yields {"hour": 5, "minute": 43}
